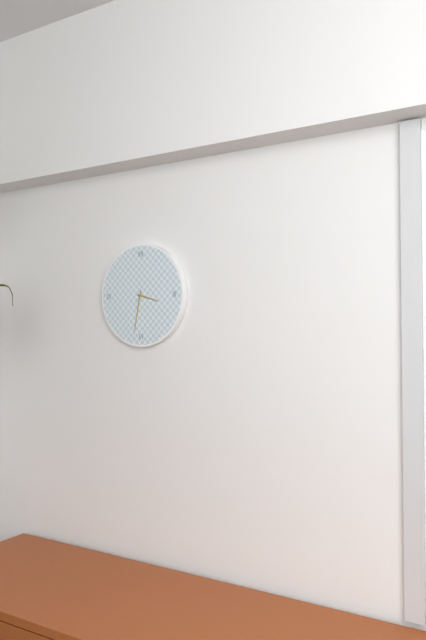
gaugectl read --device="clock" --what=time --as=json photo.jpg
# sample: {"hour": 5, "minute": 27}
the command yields {"hour": 3, "minute": 32}
